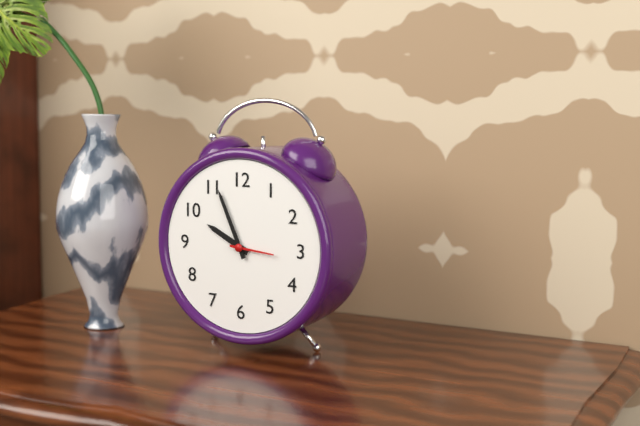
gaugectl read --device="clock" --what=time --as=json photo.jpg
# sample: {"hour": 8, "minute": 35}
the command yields {"hour": 9, "minute": 56}
